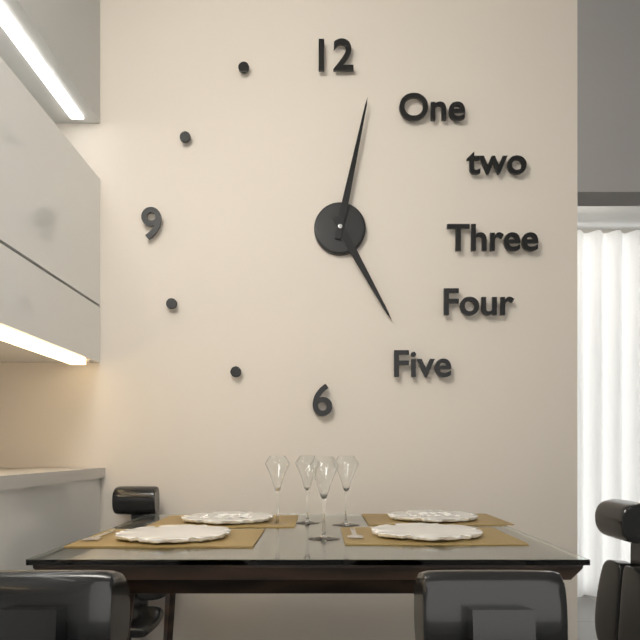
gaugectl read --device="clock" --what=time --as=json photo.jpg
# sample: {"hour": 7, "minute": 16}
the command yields {"hour": 5, "minute": 2}
